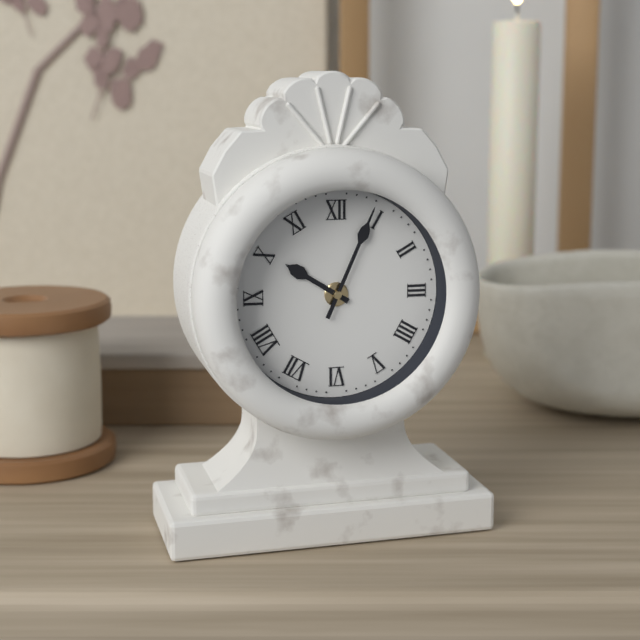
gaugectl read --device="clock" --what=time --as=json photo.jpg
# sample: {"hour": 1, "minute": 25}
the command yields {"hour": 10, "minute": 4}
